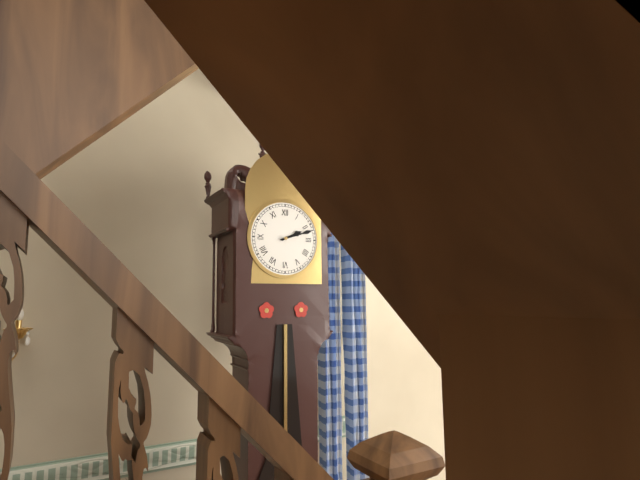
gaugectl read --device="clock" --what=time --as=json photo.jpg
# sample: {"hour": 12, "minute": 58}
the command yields {"hour": 2, "minute": 12}
